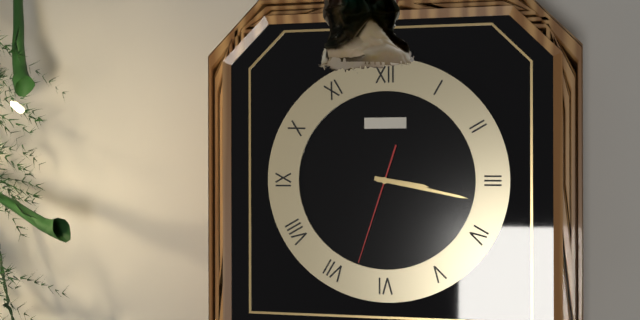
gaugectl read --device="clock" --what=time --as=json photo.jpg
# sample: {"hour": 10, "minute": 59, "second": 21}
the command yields {"hour": 3, "minute": 17, "second": 33}
